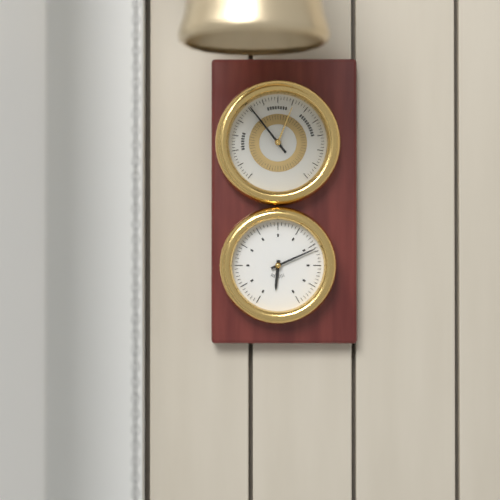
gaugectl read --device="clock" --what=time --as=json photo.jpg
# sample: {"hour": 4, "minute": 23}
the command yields {"hour": 6, "minute": 11}
